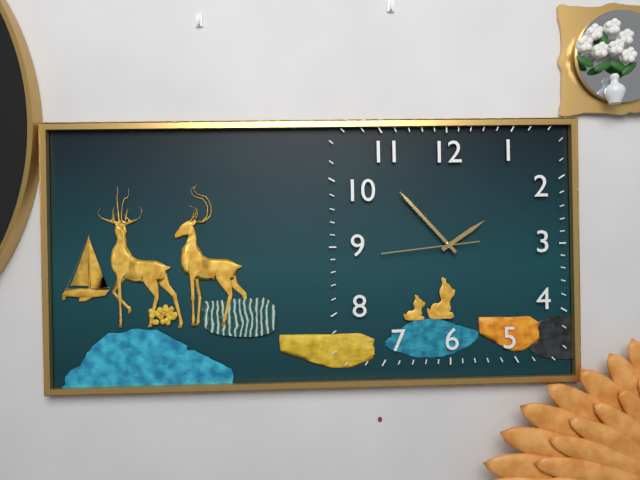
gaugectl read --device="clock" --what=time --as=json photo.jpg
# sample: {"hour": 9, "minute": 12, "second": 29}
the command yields {"hour": 1, "minute": 53, "second": 44}
